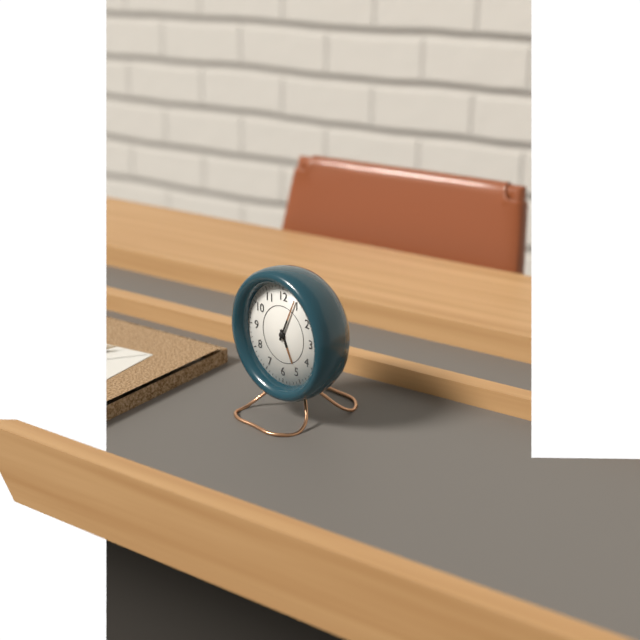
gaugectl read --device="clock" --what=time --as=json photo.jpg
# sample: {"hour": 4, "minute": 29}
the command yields {"hour": 5, "minute": 4}
